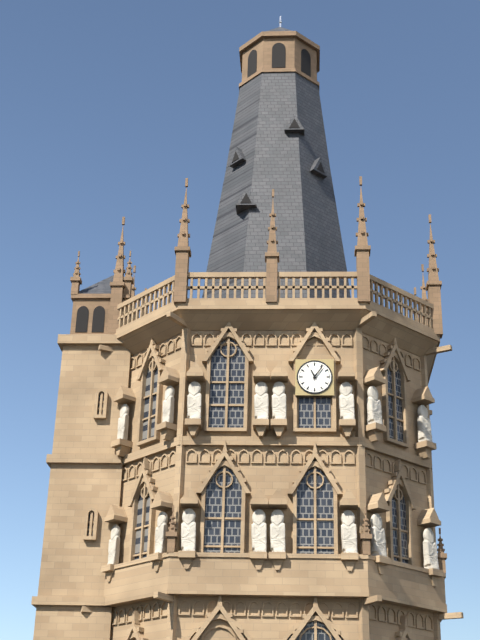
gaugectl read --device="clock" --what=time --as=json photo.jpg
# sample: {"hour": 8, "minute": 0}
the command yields {"hour": 11, "minute": 6}
